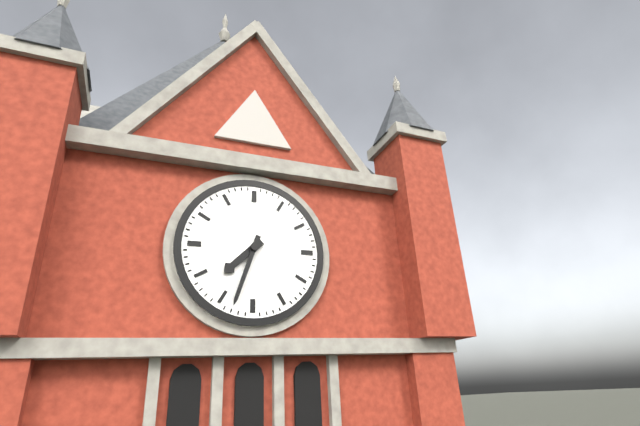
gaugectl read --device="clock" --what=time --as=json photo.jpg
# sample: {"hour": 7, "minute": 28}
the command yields {"hour": 7, "minute": 33}
